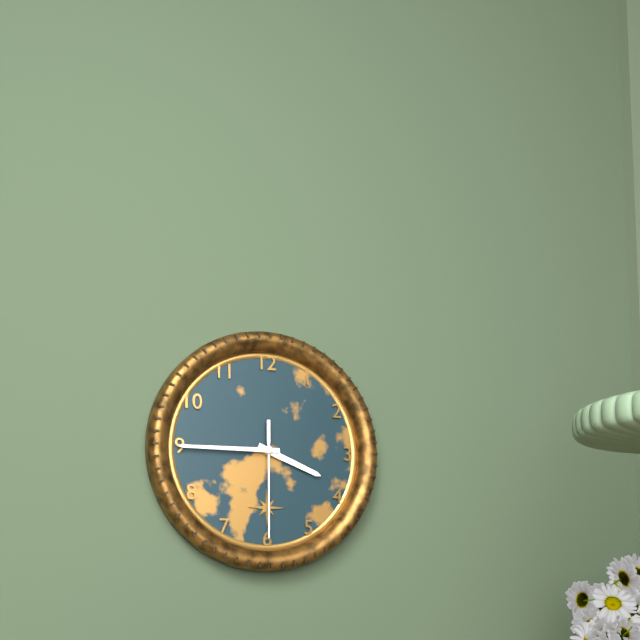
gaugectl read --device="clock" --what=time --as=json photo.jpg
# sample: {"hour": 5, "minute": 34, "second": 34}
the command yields {"hour": 3, "minute": 45, "second": 30}
